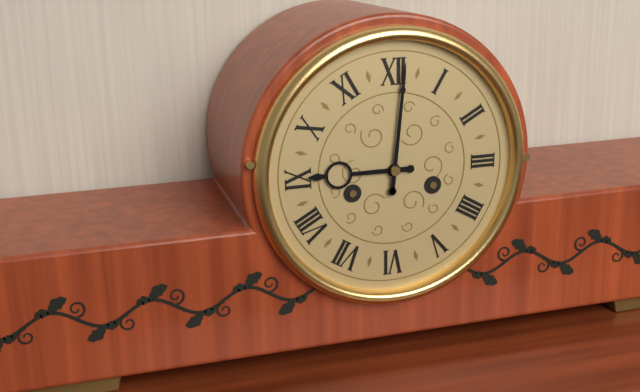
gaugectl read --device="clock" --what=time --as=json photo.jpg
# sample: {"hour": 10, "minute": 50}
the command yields {"hour": 9, "minute": 1}
